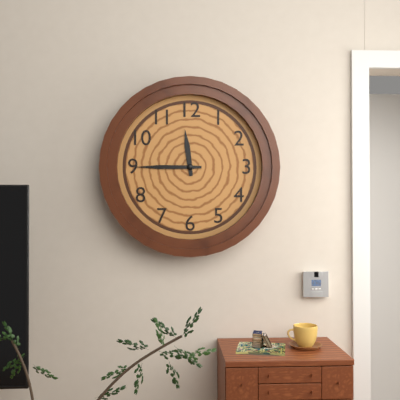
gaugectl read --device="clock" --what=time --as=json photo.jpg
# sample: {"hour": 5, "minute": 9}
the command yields {"hour": 11, "minute": 45}
